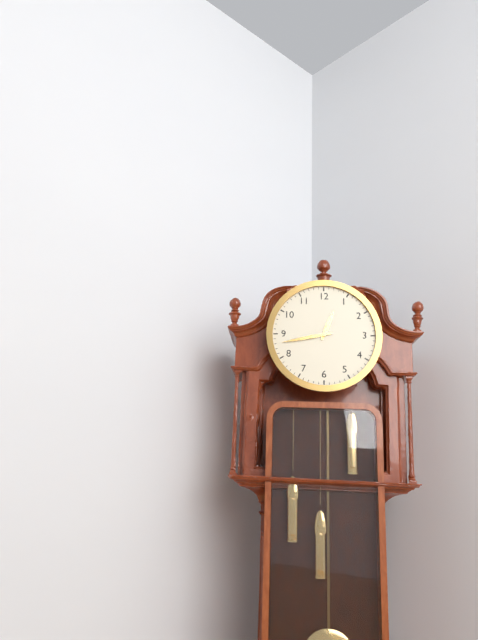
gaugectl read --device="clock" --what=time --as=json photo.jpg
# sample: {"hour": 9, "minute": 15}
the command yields {"hour": 12, "minute": 43}
